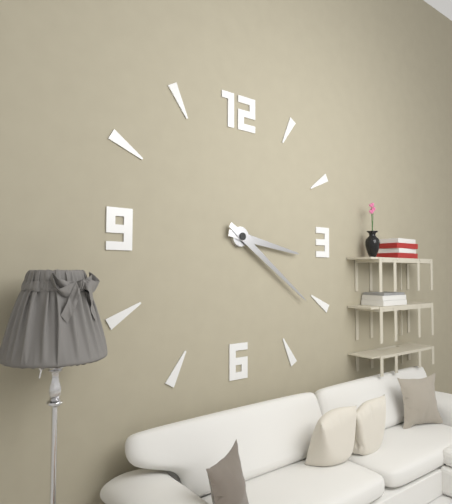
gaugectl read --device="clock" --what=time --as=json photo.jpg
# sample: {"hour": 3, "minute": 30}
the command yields {"hour": 3, "minute": 21}
